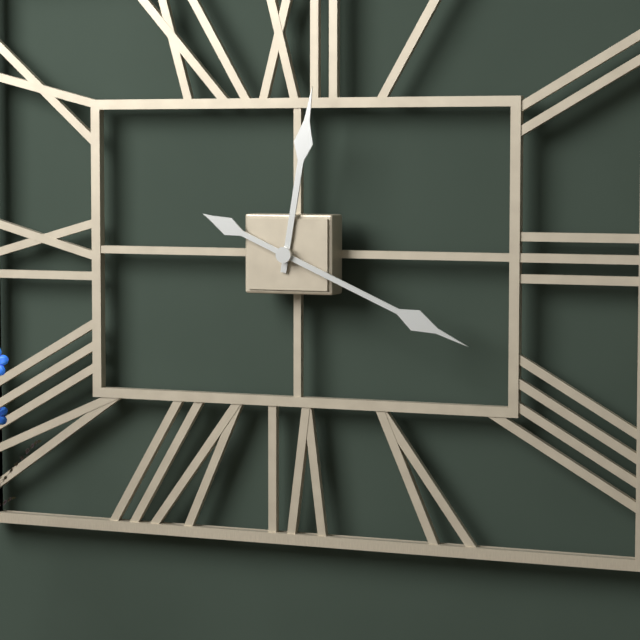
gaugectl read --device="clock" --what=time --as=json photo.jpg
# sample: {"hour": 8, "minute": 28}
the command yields {"hour": 12, "minute": 19}
